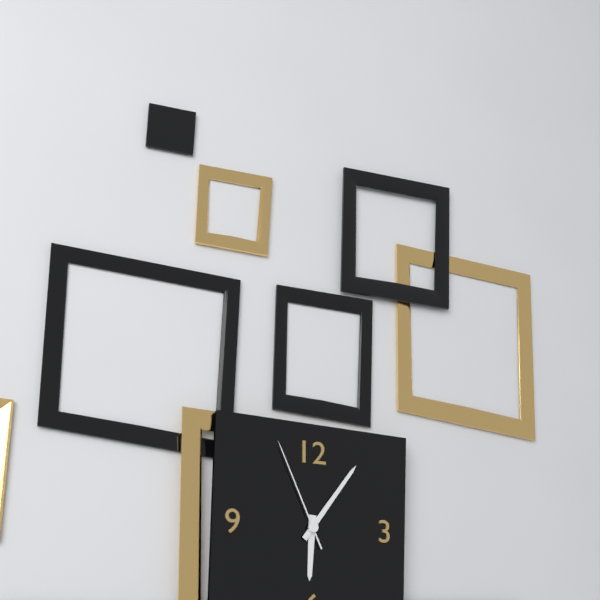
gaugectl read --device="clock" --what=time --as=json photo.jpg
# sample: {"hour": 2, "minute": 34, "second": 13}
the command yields {"hour": 6, "minute": 6, "second": 56}
